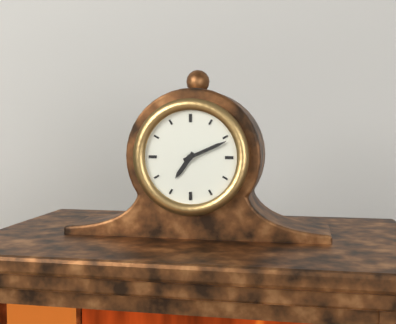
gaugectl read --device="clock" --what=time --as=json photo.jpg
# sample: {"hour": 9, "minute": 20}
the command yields {"hour": 7, "minute": 11}
